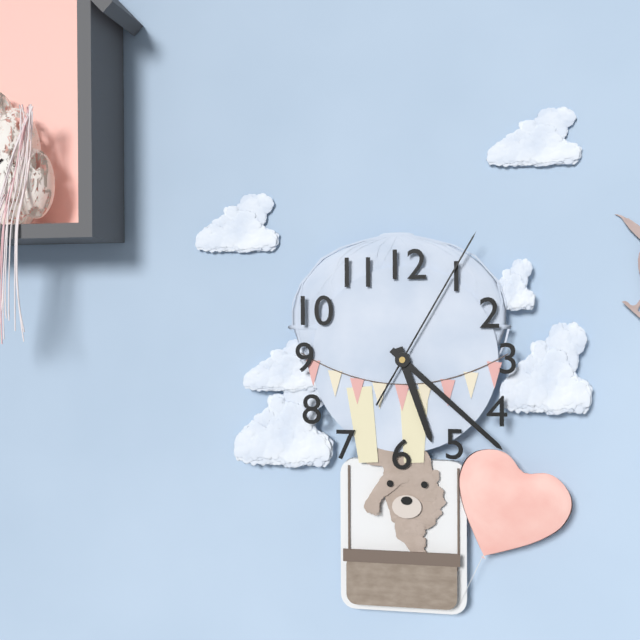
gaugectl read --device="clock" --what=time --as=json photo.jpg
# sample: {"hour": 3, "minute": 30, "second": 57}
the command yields {"hour": 5, "minute": 22, "second": 5}
